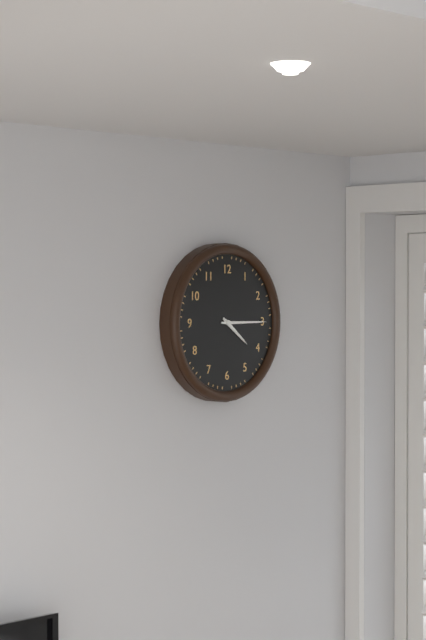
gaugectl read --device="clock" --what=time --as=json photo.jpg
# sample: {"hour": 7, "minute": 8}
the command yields {"hour": 4, "minute": 15}
